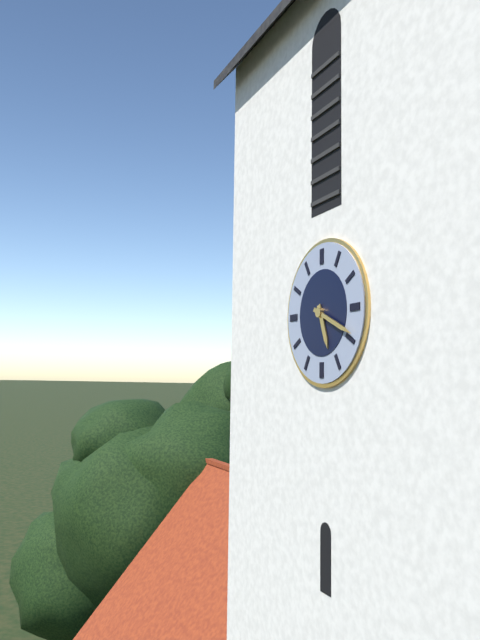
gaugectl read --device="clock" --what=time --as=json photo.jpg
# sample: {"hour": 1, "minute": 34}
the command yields {"hour": 5, "minute": 19}
